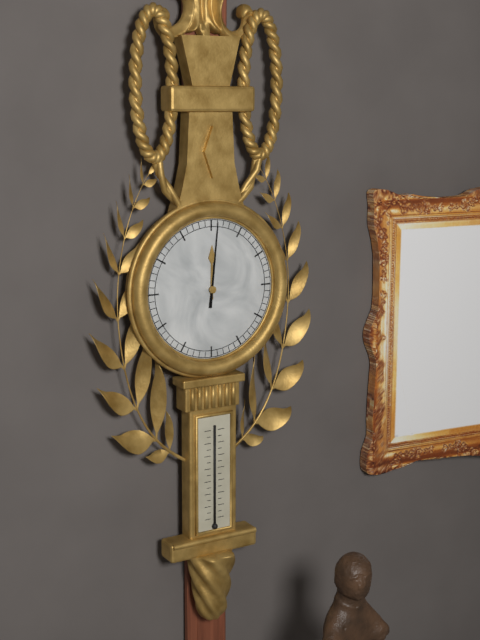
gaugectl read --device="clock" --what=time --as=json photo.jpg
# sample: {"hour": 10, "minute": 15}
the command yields {"hour": 12, "minute": 1}
